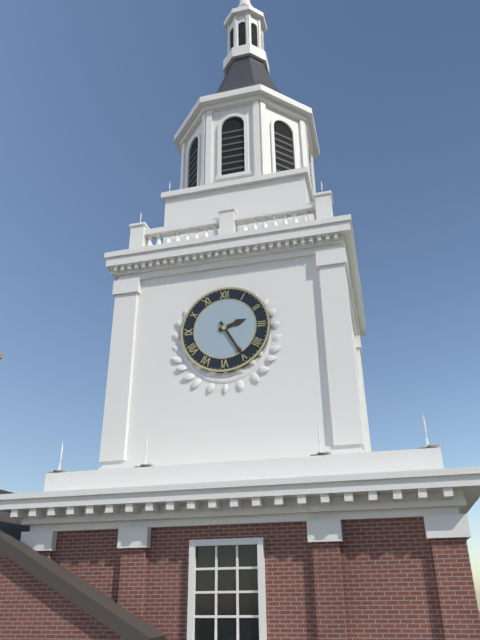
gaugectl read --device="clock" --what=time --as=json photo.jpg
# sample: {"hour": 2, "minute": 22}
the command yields {"hour": 2, "minute": 25}
